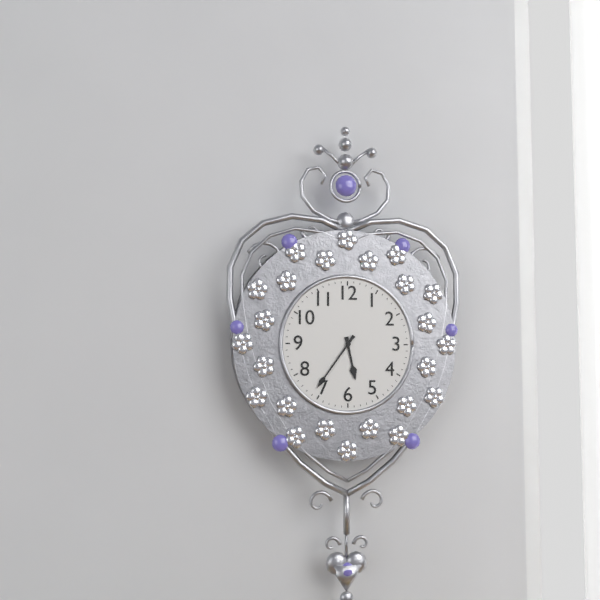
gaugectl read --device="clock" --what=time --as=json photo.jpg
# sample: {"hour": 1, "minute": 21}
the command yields {"hour": 5, "minute": 36}
